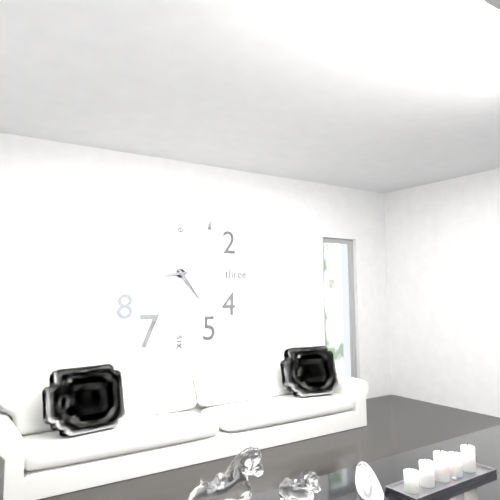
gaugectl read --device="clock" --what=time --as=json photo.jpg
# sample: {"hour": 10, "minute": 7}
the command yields {"hour": 4, "minute": 44}
